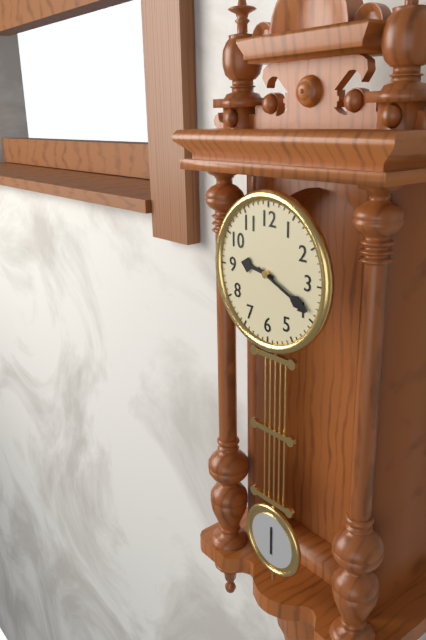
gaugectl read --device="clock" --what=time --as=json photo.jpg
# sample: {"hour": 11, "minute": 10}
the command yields {"hour": 9, "minute": 19}
